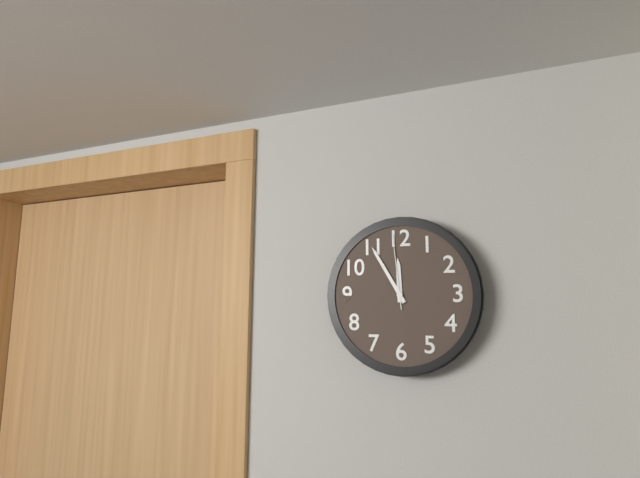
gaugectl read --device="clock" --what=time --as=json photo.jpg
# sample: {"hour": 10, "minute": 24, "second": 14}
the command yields {"hour": 11, "minute": 55, "second": 59}
